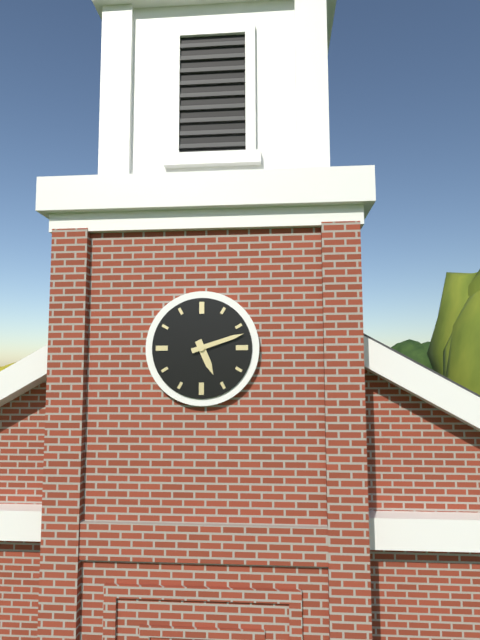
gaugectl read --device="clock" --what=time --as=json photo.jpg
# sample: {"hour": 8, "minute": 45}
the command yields {"hour": 5, "minute": 12}
